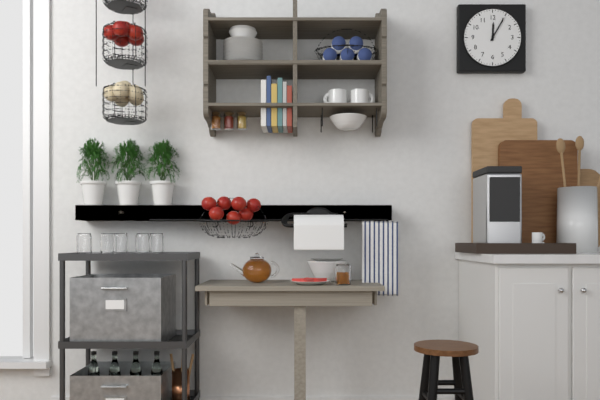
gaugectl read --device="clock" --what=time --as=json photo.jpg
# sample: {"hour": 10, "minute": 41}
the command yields {"hour": 12, "minute": 5}
